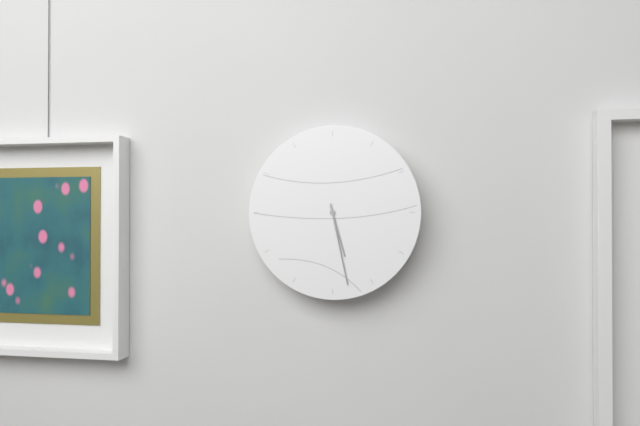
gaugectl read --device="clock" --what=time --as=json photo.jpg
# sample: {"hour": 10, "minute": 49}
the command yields {"hour": 5, "minute": 28}
